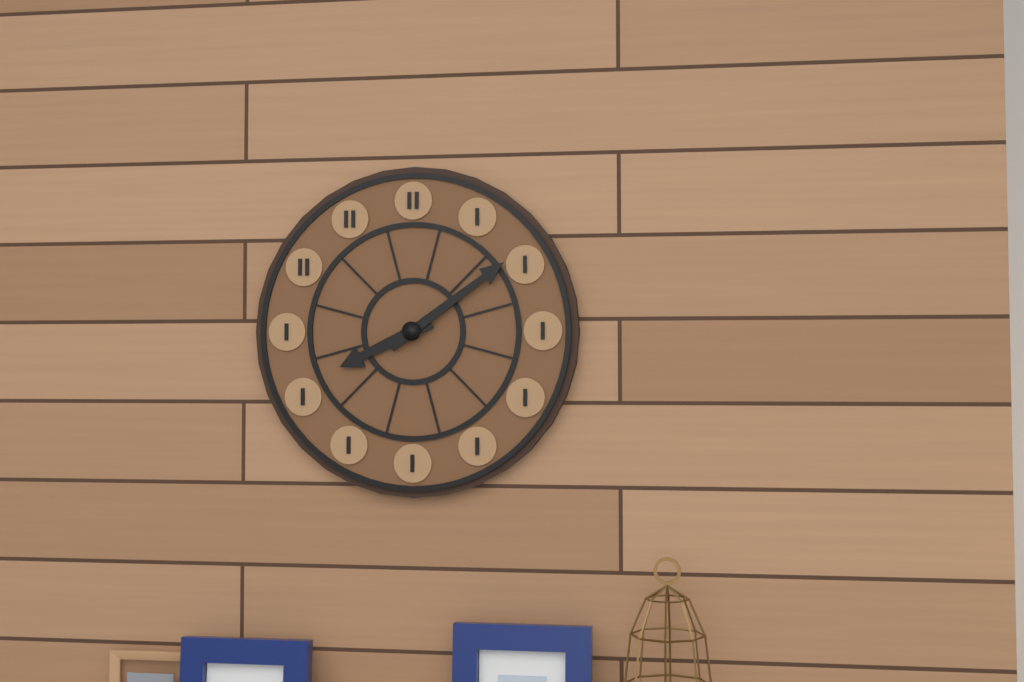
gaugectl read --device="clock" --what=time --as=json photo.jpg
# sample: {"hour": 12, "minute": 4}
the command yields {"hour": 8, "minute": 9}
